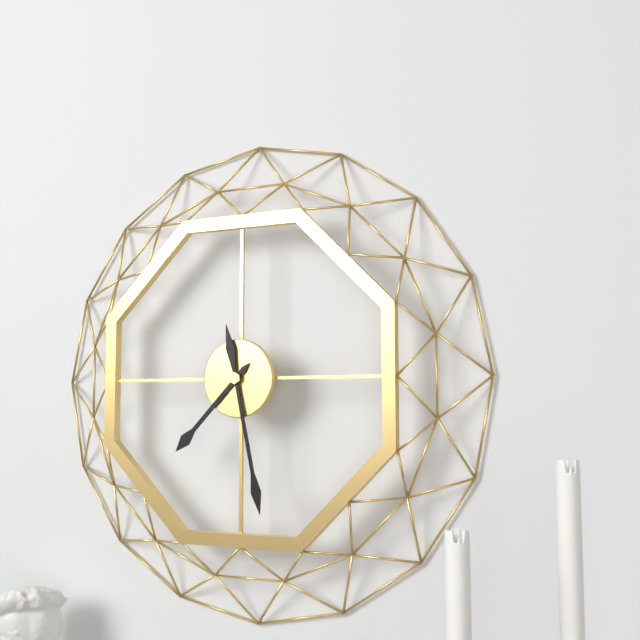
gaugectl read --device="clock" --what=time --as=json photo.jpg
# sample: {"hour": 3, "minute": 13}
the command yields {"hour": 7, "minute": 28}
